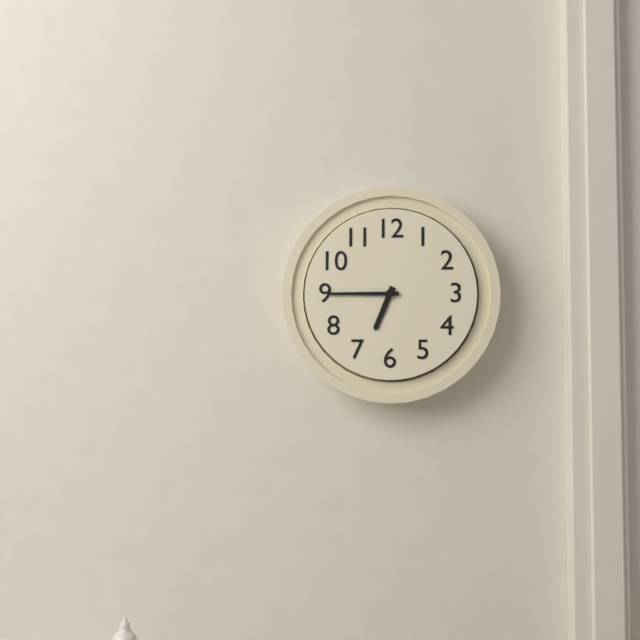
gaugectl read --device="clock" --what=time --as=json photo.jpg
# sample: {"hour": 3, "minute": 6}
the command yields {"hour": 6, "minute": 45}
